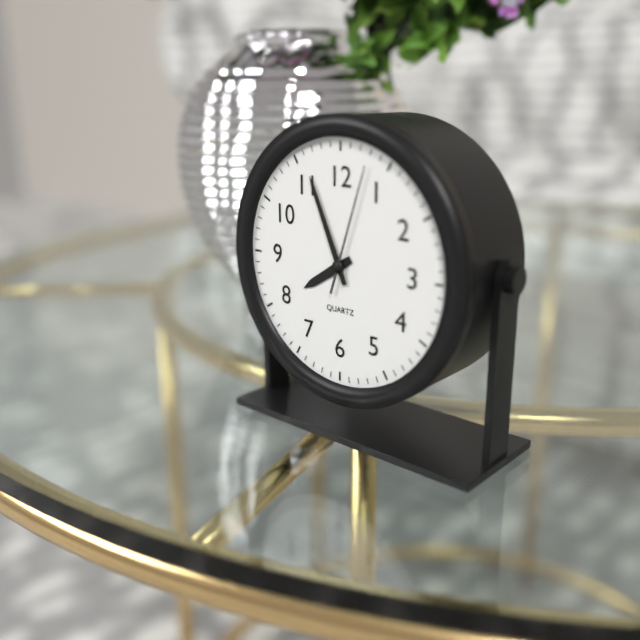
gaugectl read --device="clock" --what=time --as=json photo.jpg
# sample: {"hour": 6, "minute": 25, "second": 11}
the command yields {"hour": 7, "minute": 56, "second": 3}
